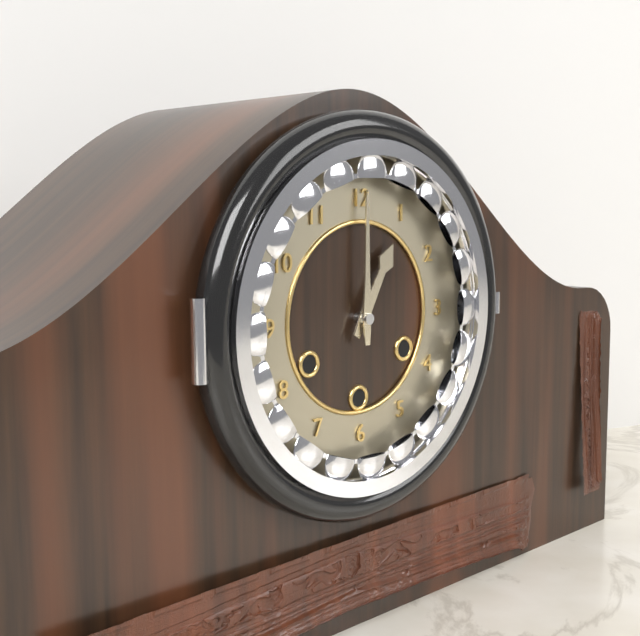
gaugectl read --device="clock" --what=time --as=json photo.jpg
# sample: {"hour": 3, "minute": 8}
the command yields {"hour": 1, "minute": 0}
